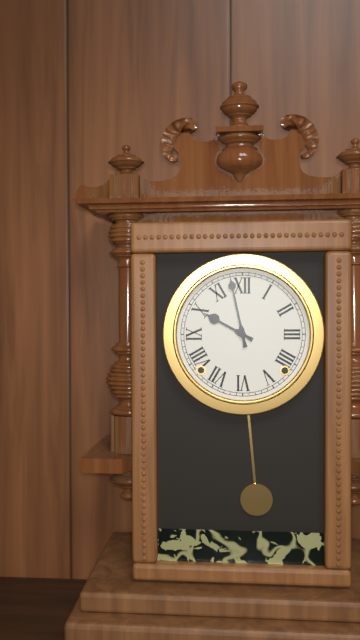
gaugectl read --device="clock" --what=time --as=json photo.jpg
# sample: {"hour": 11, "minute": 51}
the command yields {"hour": 9, "minute": 58}
